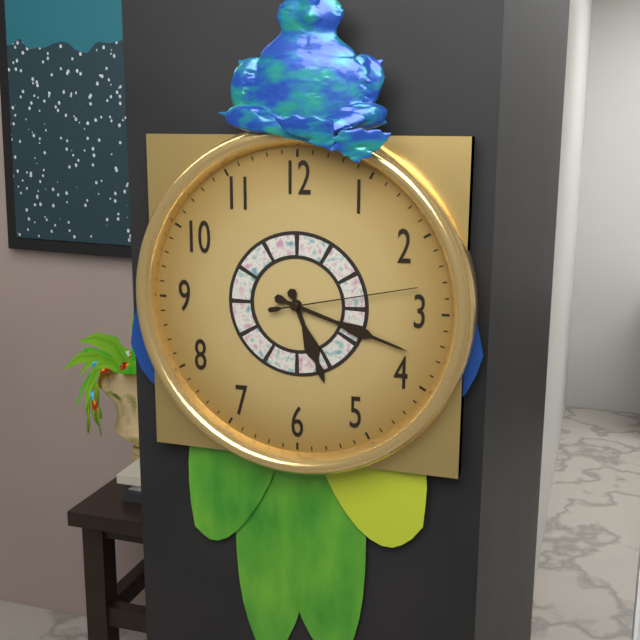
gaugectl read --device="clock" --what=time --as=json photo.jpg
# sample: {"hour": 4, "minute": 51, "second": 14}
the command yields {"hour": 5, "minute": 18, "second": 13}
